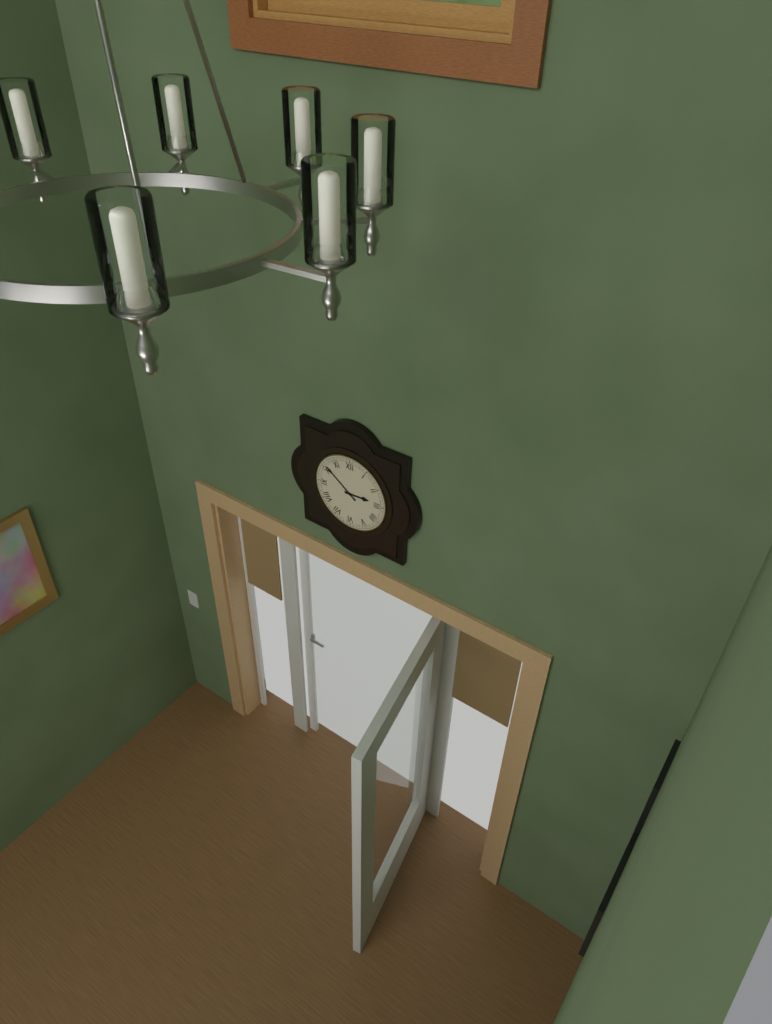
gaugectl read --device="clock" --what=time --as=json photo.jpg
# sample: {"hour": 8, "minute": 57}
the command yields {"hour": 2, "minute": 51}
